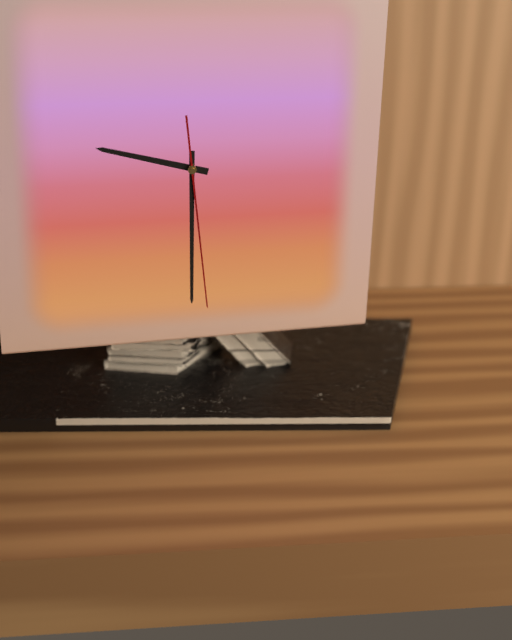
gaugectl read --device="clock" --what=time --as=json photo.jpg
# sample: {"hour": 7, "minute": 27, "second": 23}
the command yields {"hour": 9, "minute": 30, "second": 29}
